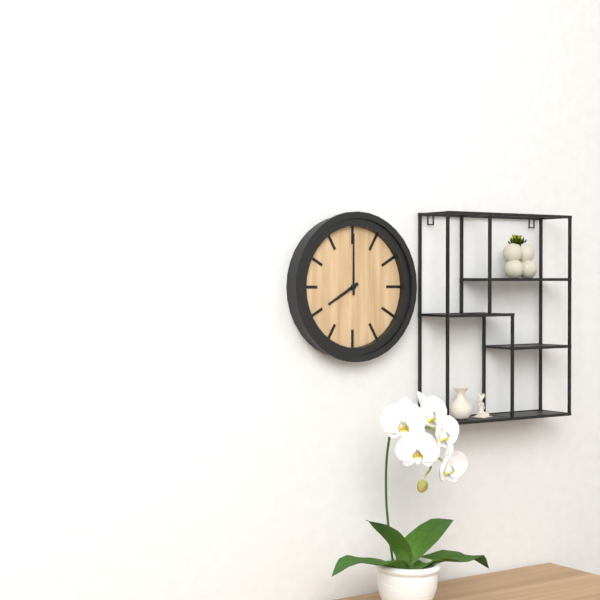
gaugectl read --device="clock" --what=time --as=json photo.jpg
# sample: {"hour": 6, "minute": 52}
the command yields {"hour": 8, "minute": 0}
